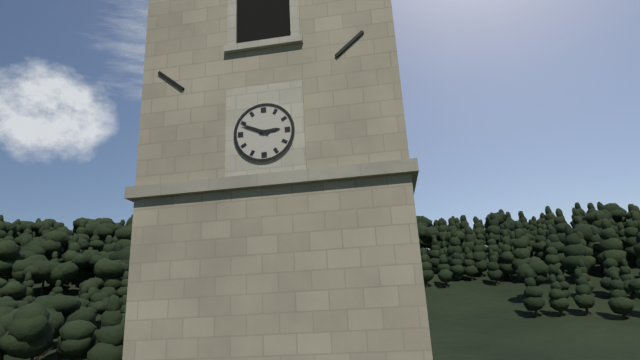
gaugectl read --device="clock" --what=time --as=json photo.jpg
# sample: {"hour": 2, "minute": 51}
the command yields {"hour": 2, "minute": 49}
